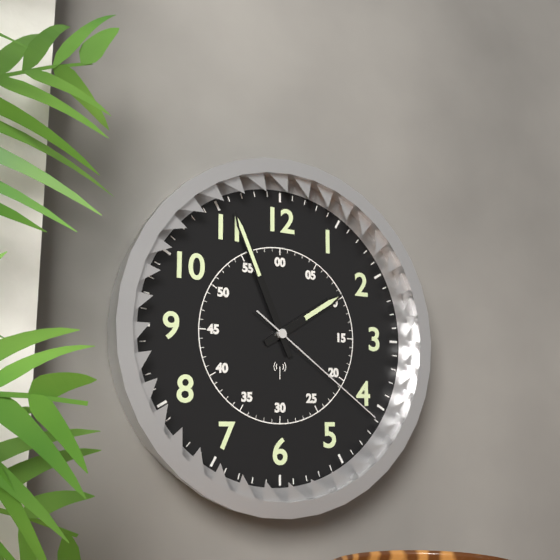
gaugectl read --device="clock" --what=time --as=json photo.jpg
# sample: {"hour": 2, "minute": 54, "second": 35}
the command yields {"hour": 1, "minute": 56, "second": 21}
